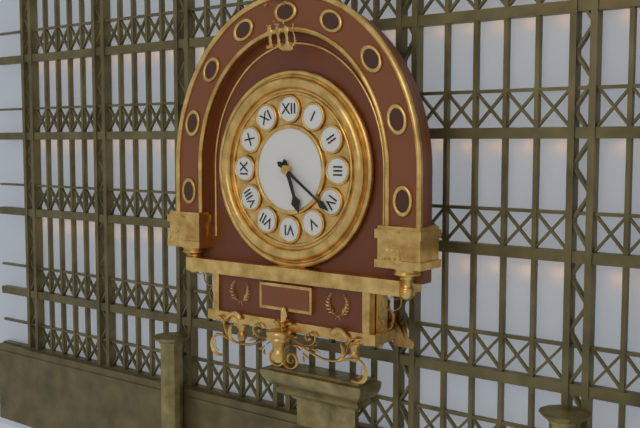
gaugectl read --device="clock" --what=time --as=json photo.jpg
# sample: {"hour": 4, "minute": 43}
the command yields {"hour": 5, "minute": 21}
